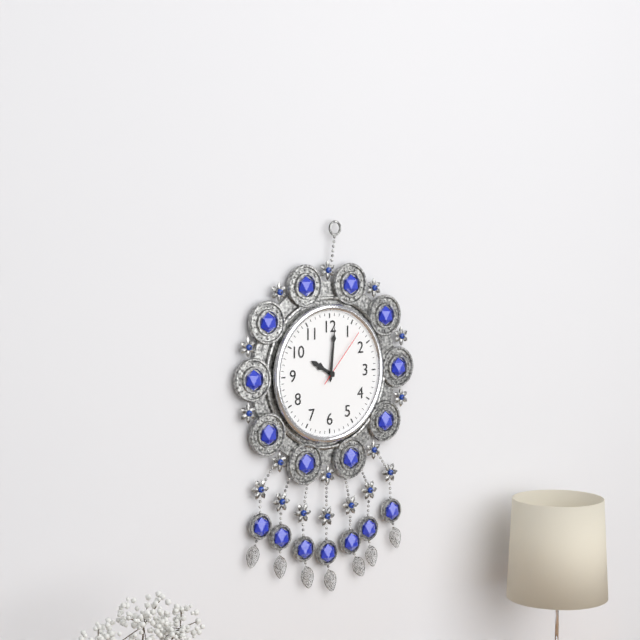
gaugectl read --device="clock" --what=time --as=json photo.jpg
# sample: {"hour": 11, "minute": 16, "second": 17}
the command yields {"hour": 10, "minute": 1, "second": 7}
